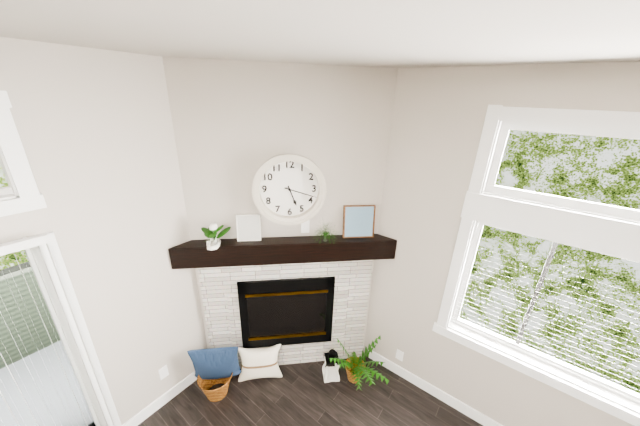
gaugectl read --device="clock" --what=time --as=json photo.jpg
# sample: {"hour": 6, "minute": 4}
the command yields {"hour": 5, "minute": 18}
